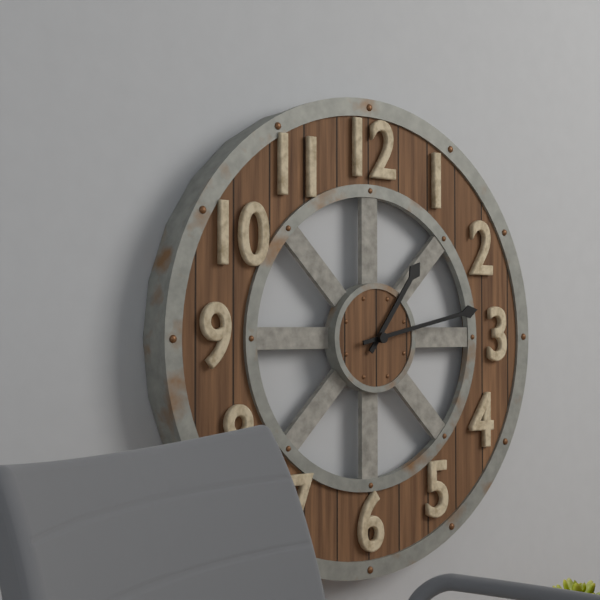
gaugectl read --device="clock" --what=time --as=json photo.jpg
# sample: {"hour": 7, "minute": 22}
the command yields {"hour": 1, "minute": 13}
